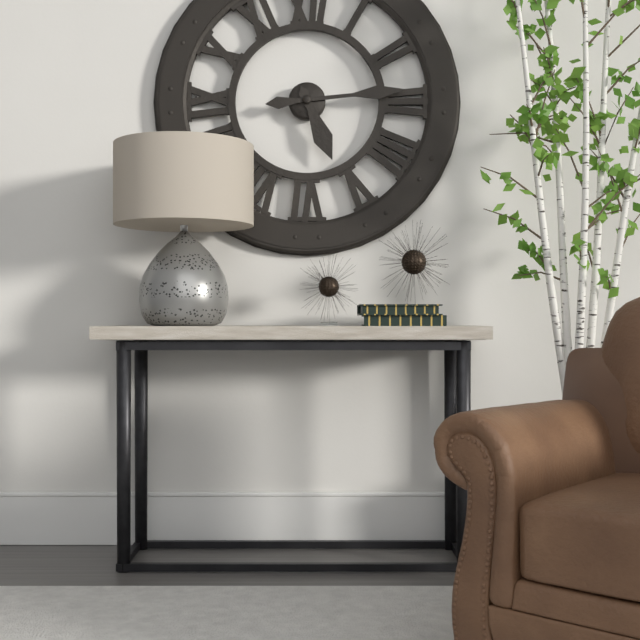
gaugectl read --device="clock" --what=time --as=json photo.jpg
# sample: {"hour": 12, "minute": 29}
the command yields {"hour": 5, "minute": 14}
